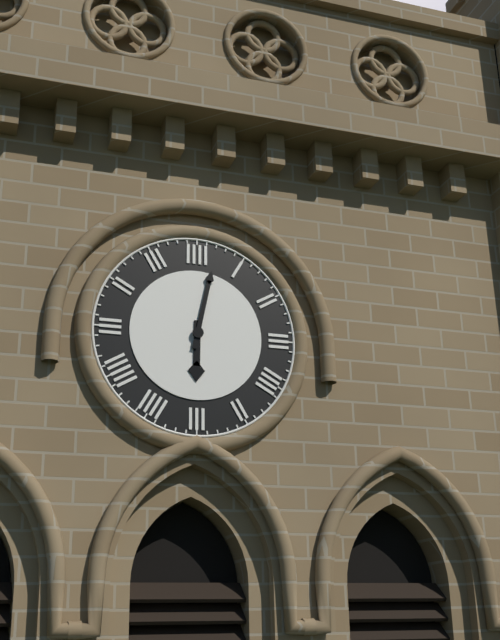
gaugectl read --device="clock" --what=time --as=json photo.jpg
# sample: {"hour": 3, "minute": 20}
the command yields {"hour": 6, "minute": 2}
